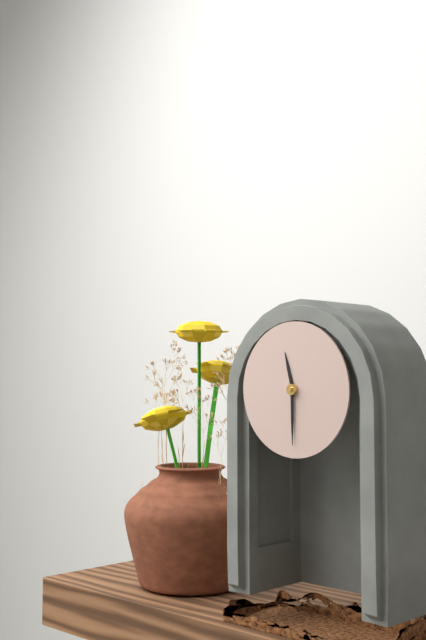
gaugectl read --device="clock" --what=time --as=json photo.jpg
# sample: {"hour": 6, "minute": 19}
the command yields {"hour": 11, "minute": 30}
